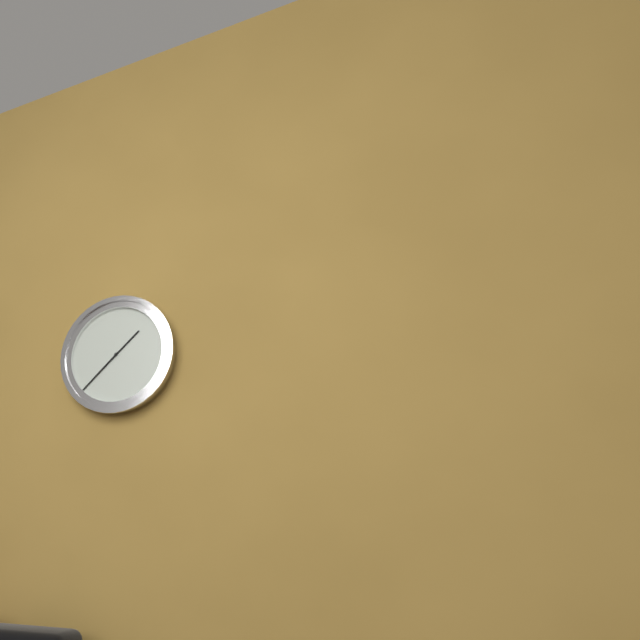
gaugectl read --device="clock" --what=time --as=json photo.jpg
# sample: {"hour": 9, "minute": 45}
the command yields {"hour": 1, "minute": 38}
